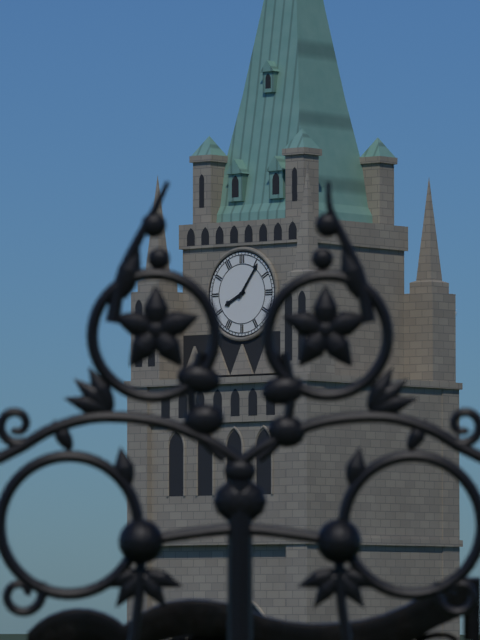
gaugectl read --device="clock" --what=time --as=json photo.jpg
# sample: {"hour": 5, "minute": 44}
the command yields {"hour": 8, "minute": 6}
